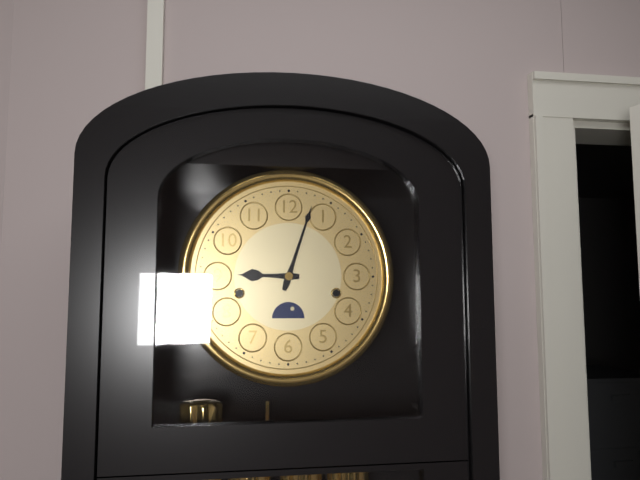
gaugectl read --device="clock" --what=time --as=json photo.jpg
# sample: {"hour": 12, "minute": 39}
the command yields {"hour": 9, "minute": 3}
